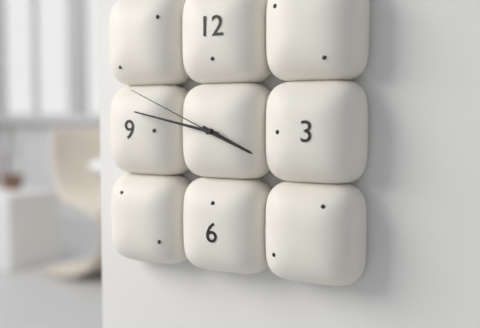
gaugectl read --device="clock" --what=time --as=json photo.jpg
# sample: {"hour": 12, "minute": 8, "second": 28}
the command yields {"hour": 3, "minute": 47, "second": 49}
